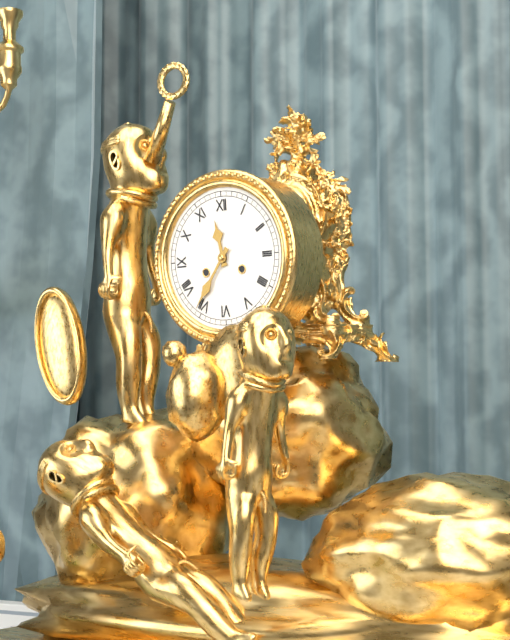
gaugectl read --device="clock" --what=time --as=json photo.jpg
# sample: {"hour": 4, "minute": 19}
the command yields {"hour": 11, "minute": 36}
